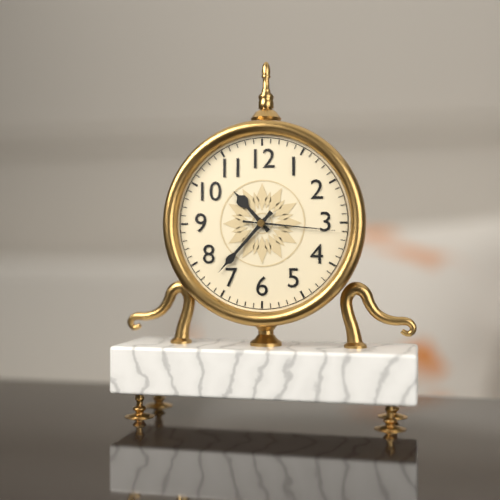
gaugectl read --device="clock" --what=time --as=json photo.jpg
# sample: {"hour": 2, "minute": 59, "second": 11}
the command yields {"hour": 10, "minute": 37, "second": 16}
